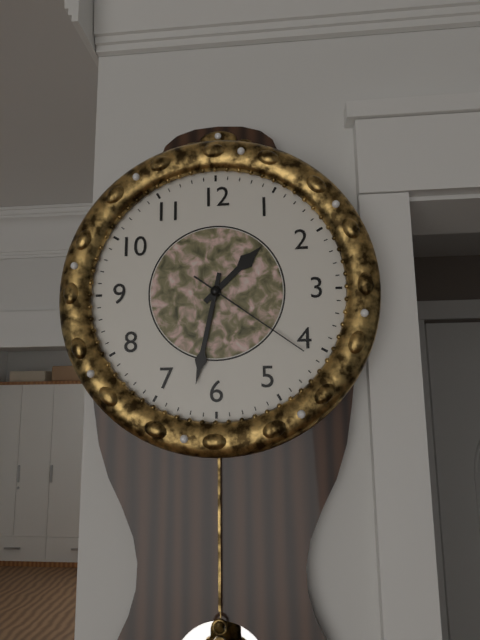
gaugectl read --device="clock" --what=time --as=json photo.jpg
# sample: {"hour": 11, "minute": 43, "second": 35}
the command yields {"hour": 1, "minute": 32, "second": 21}
